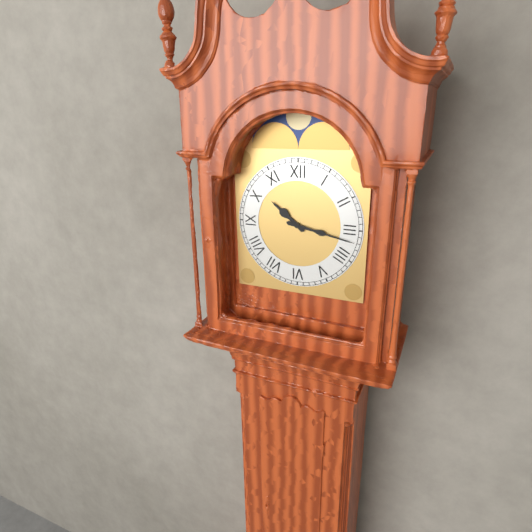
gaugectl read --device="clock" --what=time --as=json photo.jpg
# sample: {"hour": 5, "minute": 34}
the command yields {"hour": 10, "minute": 17}
